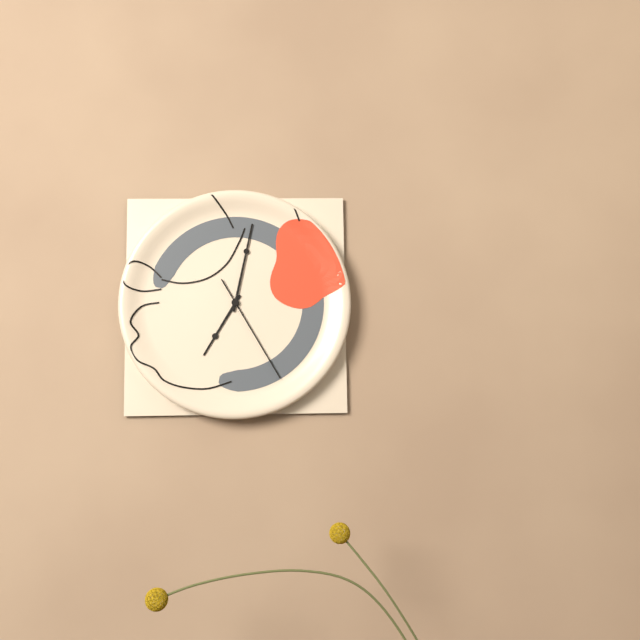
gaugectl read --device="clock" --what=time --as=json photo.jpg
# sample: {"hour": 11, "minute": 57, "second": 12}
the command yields {"hour": 7, "minute": 2, "second": 25}
